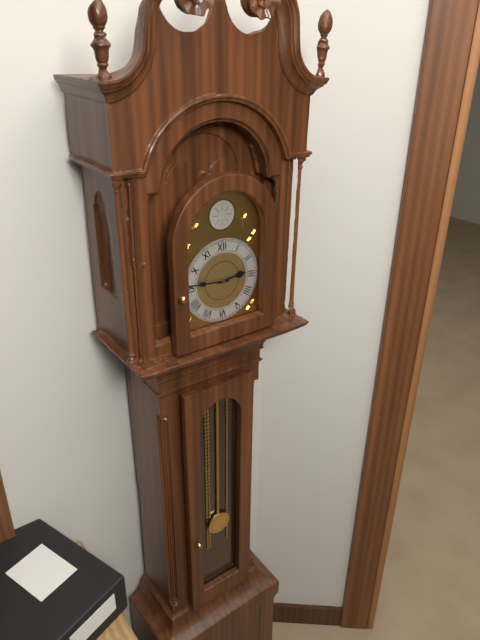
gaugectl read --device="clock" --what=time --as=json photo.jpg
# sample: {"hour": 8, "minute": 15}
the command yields {"hour": 2, "minute": 46}
